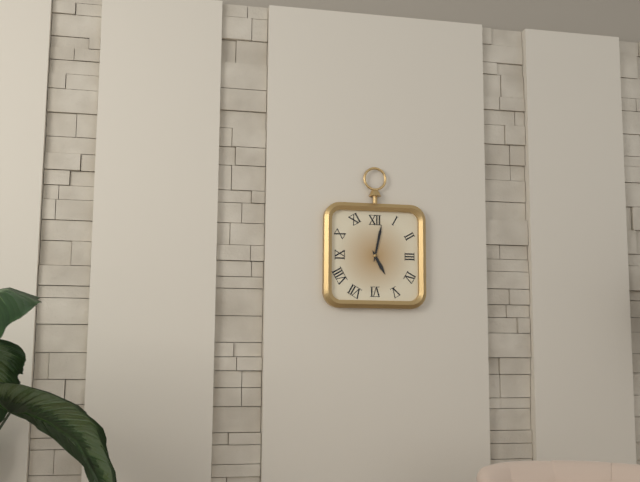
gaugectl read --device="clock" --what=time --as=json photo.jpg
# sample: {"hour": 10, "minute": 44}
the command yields {"hour": 5, "minute": 2}
